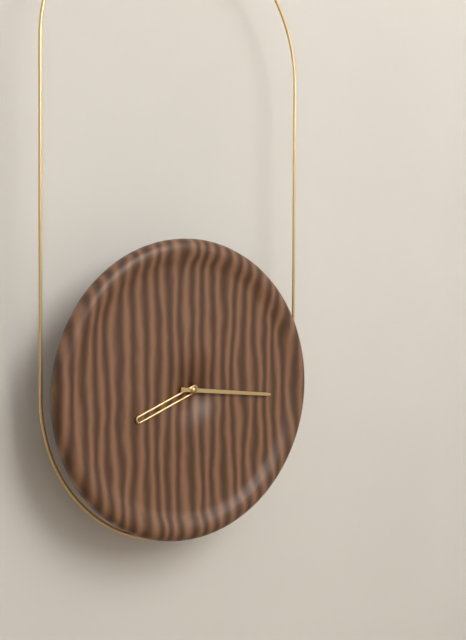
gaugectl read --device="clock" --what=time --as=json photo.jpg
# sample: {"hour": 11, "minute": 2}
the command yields {"hour": 8, "minute": 16}
